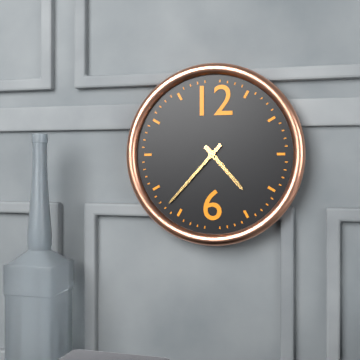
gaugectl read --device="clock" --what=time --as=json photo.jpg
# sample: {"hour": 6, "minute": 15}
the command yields {"hour": 4, "minute": 37}
